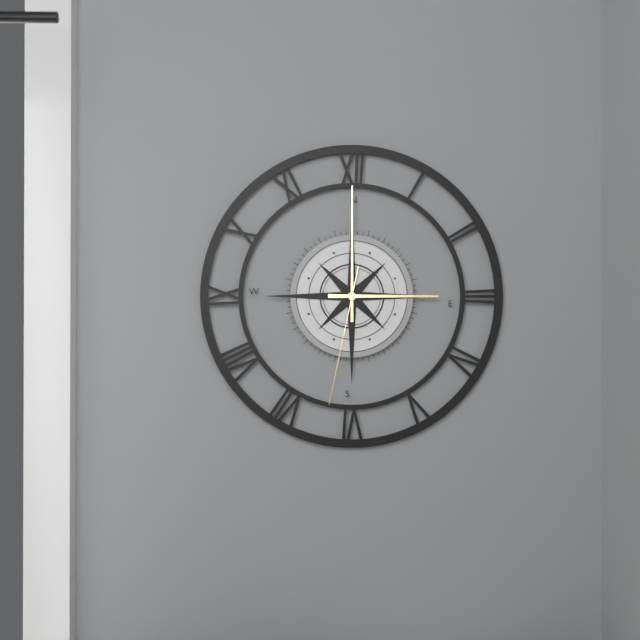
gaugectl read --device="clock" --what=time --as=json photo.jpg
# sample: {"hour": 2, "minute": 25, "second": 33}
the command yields {"hour": 3, "minute": 0, "second": 32}
